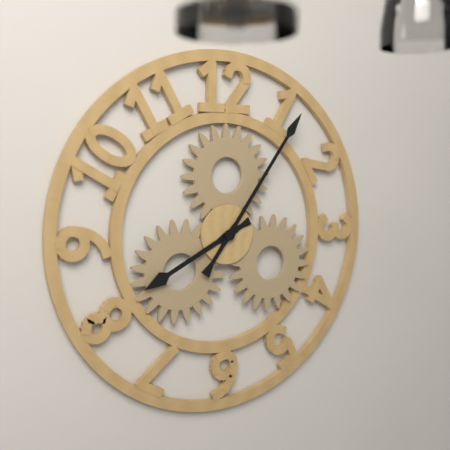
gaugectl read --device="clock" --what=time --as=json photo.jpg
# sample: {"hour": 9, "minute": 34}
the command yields {"hour": 8, "minute": 6}
